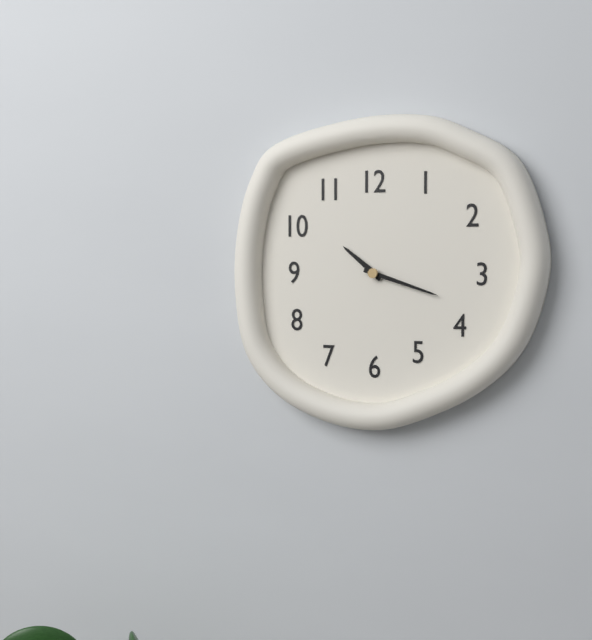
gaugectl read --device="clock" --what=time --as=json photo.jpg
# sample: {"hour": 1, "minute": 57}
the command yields {"hour": 10, "minute": 18}
